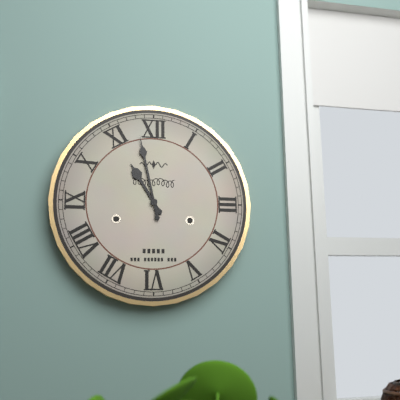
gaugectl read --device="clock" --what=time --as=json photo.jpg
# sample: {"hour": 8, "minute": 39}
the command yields {"hour": 10, "minute": 58}
